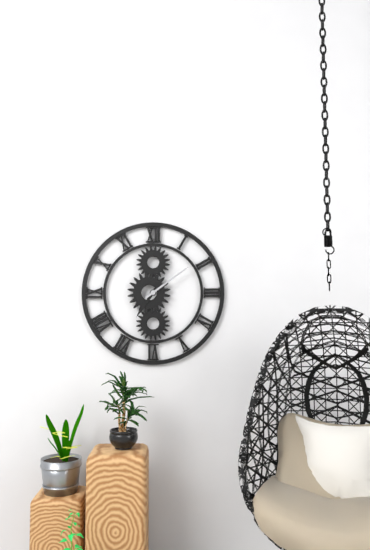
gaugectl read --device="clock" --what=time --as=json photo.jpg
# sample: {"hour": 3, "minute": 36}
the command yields {"hour": 7, "minute": 9}
